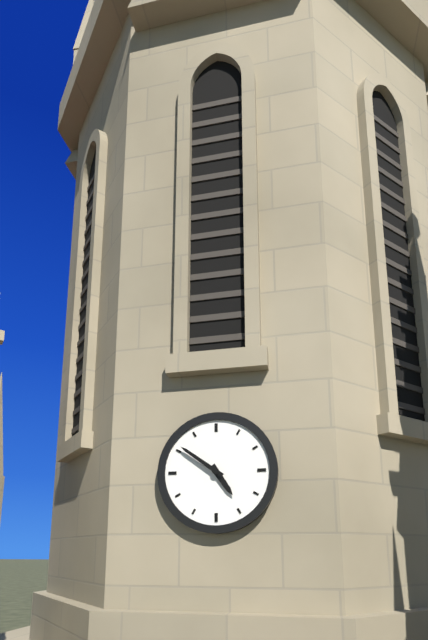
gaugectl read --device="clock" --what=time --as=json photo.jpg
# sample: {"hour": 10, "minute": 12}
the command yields {"hour": 4, "minute": 51}
